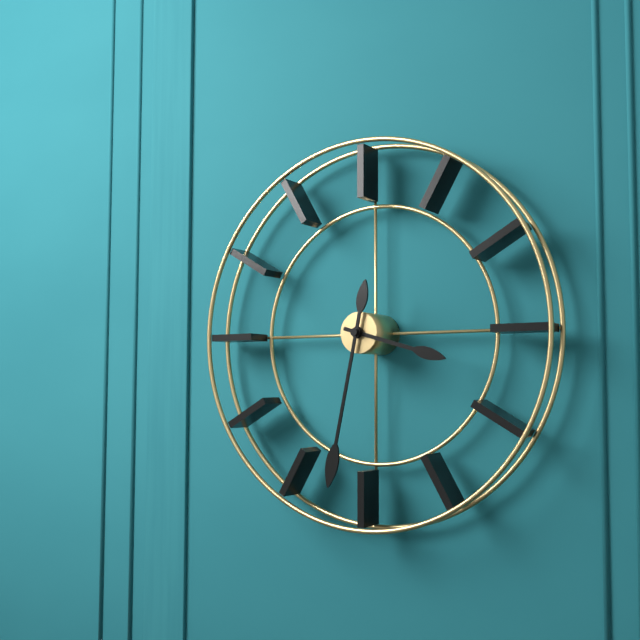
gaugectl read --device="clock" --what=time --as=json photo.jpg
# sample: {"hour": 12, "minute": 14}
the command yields {"hour": 3, "minute": 32}
